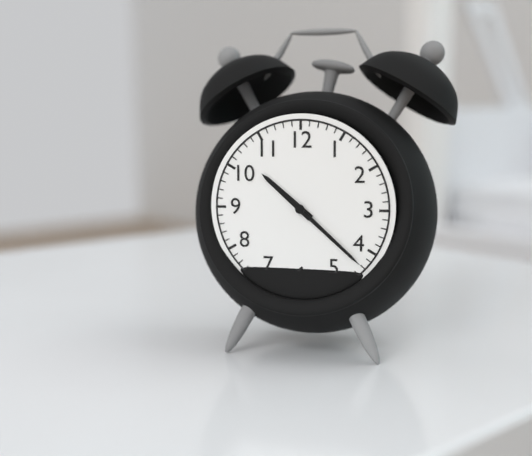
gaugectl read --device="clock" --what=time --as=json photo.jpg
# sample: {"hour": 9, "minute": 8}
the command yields {"hour": 10, "minute": 22}
